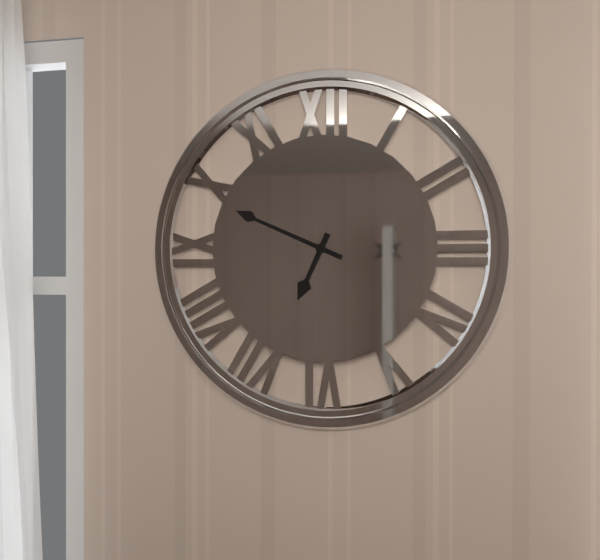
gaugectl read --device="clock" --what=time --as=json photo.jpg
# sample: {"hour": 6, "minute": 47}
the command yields {"hour": 6, "minute": 49}
